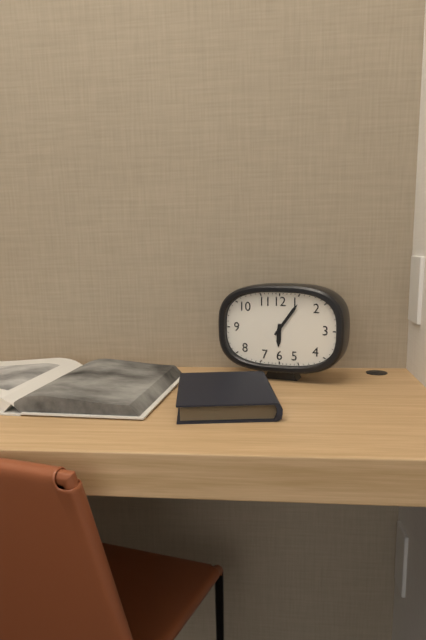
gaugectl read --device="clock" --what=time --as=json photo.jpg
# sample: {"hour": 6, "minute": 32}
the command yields {"hour": 6, "minute": 6}
